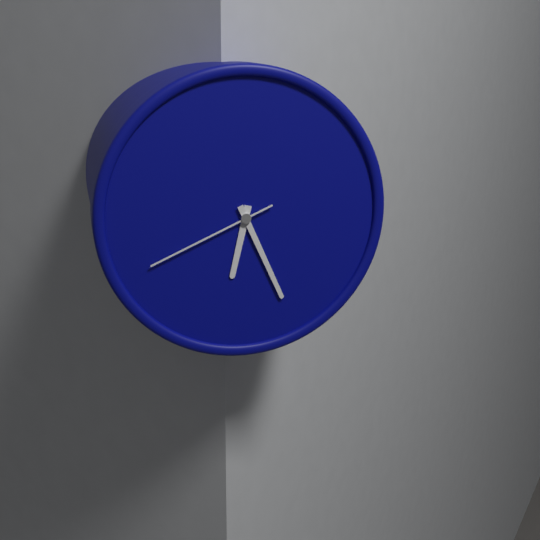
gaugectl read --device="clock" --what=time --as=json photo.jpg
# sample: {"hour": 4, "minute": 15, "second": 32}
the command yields {"hour": 6, "minute": 26, "second": 41}
